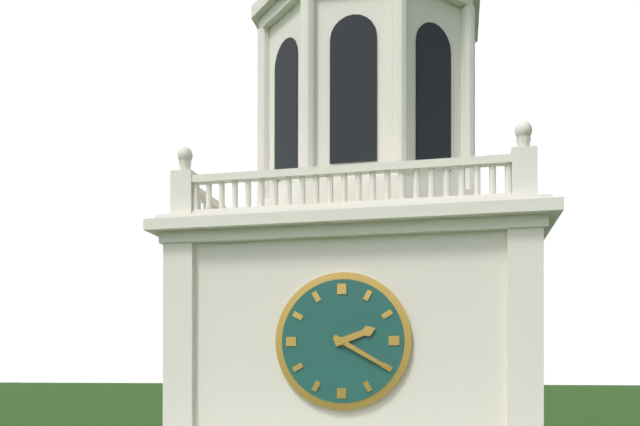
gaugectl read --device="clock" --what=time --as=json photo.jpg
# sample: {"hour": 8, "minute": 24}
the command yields {"hour": 2, "minute": 20}
